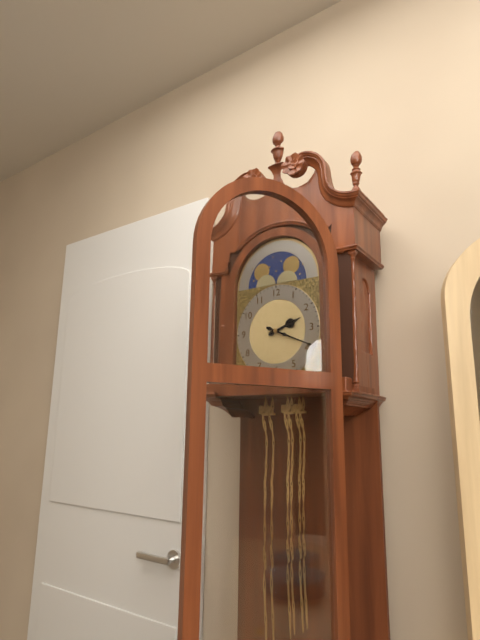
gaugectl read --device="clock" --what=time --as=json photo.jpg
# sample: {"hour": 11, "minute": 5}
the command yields {"hour": 2, "minute": 19}
